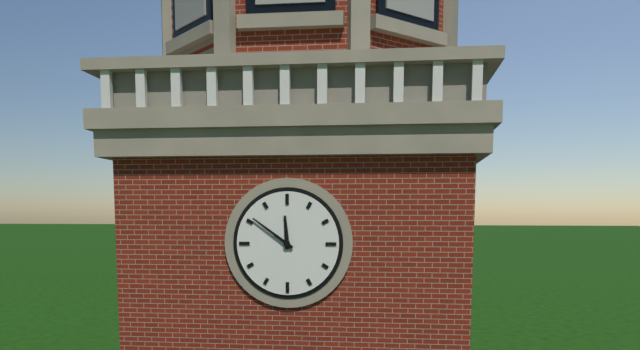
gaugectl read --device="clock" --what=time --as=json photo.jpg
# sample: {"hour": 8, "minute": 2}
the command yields {"hour": 11, "minute": 51}
